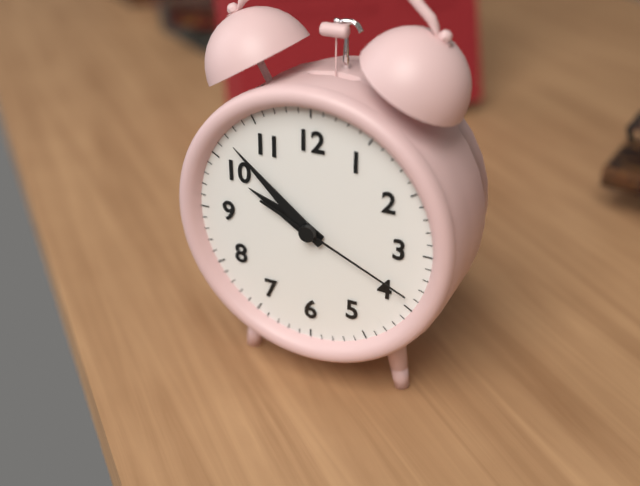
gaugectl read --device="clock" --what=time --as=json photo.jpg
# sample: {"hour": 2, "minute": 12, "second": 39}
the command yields {"hour": 9, "minute": 52, "second": 19}
